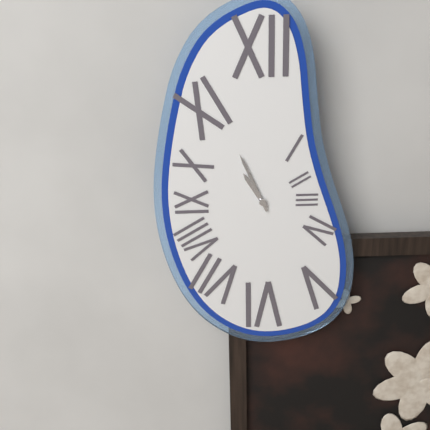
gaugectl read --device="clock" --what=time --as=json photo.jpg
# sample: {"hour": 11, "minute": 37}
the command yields {"hour": 10, "minute": 56}
